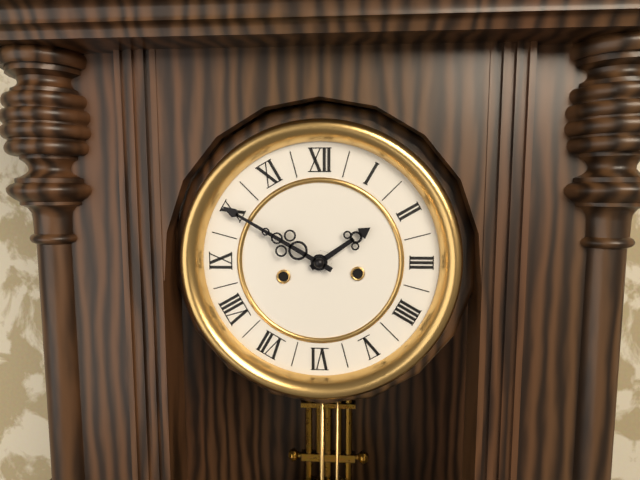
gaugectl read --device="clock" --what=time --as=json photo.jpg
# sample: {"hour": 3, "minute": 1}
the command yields {"hour": 1, "minute": 50}
